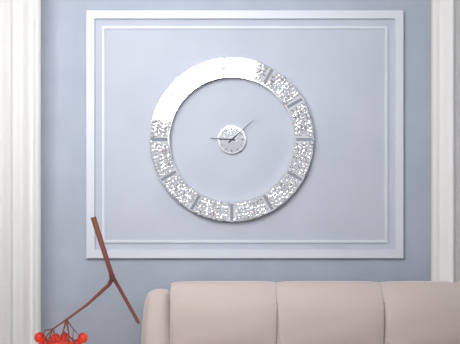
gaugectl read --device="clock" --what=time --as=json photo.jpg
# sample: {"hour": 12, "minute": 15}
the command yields {"hour": 9, "minute": 8}
